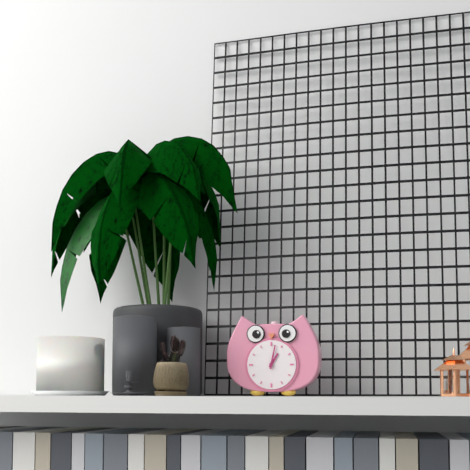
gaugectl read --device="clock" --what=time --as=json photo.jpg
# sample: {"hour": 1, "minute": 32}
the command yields {"hour": 1, "minute": 2}
